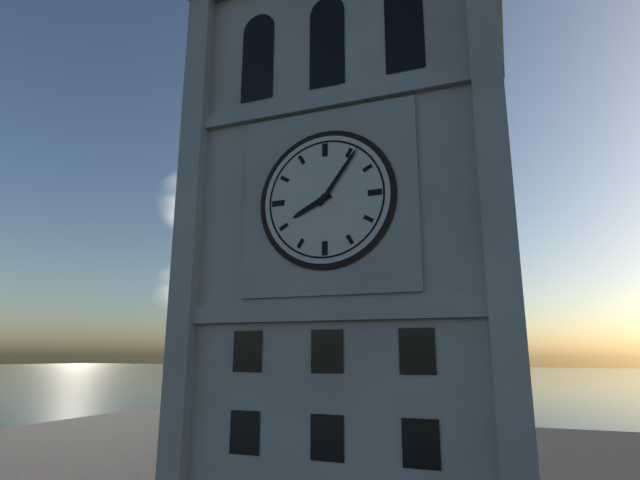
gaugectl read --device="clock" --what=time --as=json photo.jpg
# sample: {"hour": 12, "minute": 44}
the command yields {"hour": 8, "minute": 6}
